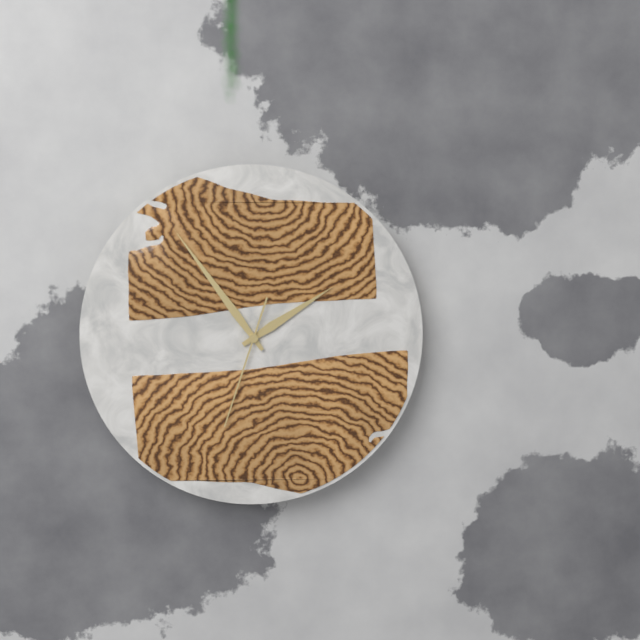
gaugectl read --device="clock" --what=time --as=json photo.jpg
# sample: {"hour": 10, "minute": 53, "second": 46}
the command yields {"hour": 1, "minute": 54, "second": 33}
